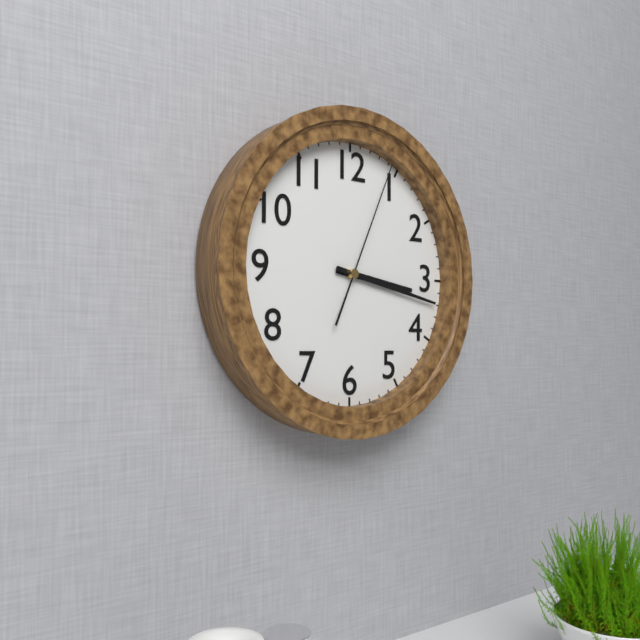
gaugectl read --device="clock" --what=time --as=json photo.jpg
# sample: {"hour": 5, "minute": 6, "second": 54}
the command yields {"hour": 3, "minute": 17, "second": 4}
